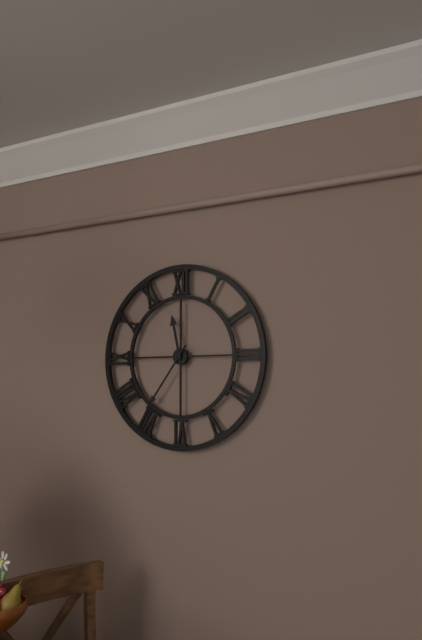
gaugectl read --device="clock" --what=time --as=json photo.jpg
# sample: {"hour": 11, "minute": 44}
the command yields {"hour": 11, "minute": 36}
